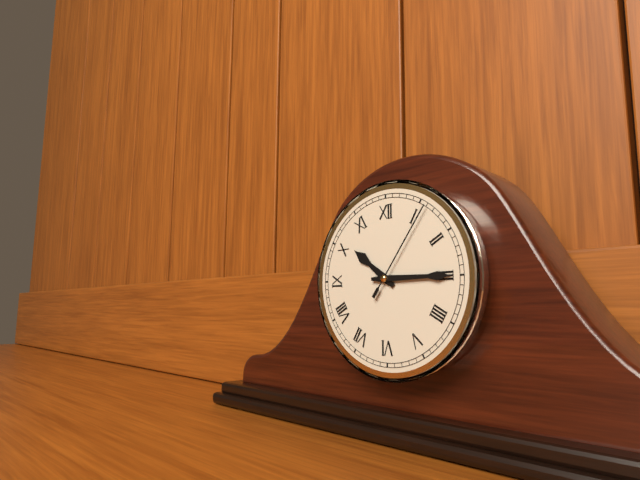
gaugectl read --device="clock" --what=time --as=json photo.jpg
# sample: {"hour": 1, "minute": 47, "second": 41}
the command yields {"hour": 10, "minute": 15, "second": 6}
